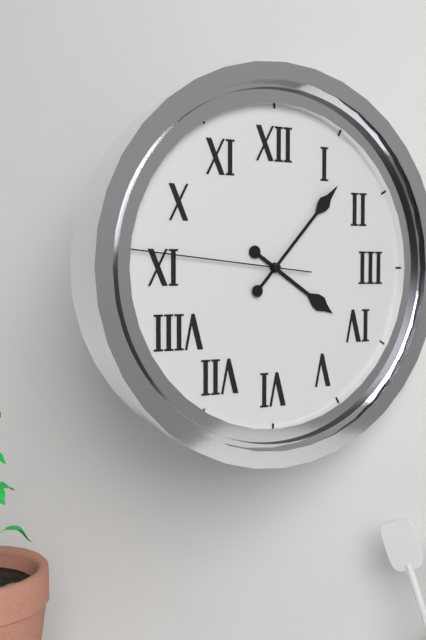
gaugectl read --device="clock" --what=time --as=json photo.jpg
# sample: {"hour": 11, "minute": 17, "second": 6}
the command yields {"hour": 4, "minute": 7, "second": 46}
